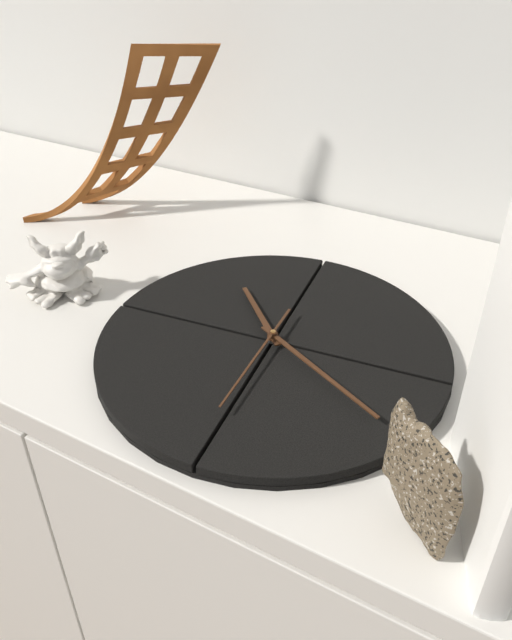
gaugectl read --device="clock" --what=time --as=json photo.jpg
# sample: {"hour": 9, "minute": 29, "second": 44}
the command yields {"hour": 11, "minute": 24, "second": 34}
